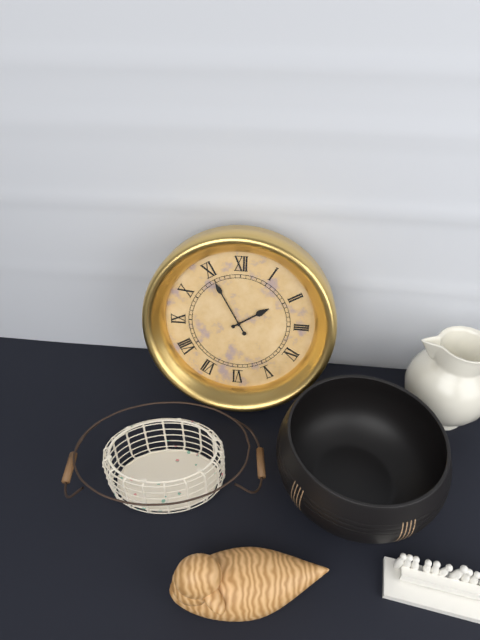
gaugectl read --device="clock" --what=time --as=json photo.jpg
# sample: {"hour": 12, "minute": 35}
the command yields {"hour": 1, "minute": 55}
